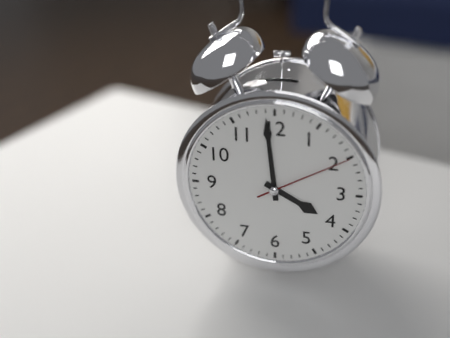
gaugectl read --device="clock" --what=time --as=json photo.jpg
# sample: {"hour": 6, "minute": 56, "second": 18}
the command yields {"hour": 3, "minute": 59, "second": 10}
